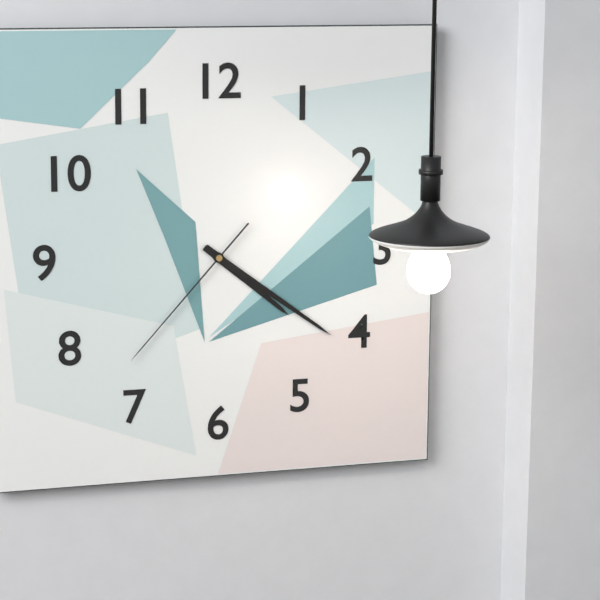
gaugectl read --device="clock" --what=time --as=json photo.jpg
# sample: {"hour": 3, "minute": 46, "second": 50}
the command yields {"hour": 4, "minute": 21, "second": 37}
